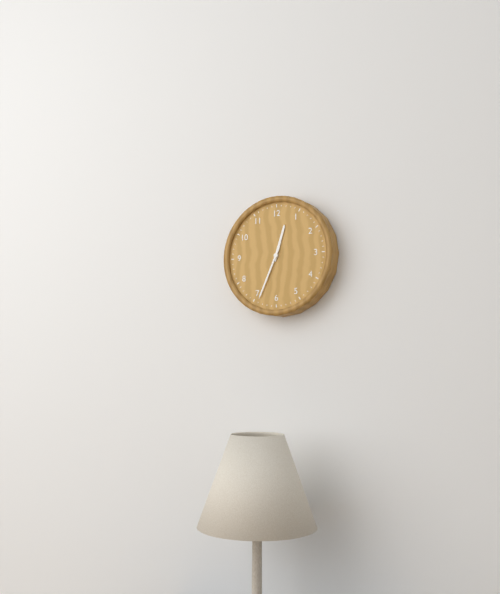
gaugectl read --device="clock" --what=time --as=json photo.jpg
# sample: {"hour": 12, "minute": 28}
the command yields {"hour": 12, "minute": 34}
